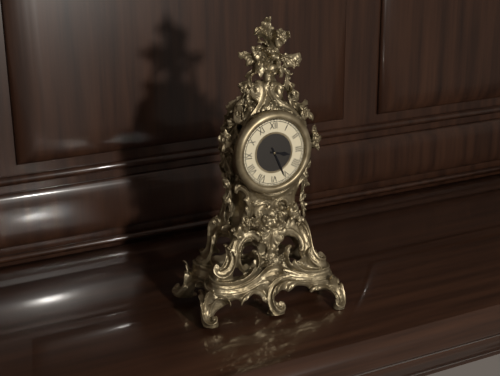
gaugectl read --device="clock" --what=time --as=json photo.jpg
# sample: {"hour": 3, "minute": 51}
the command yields {"hour": 3, "minute": 26}
